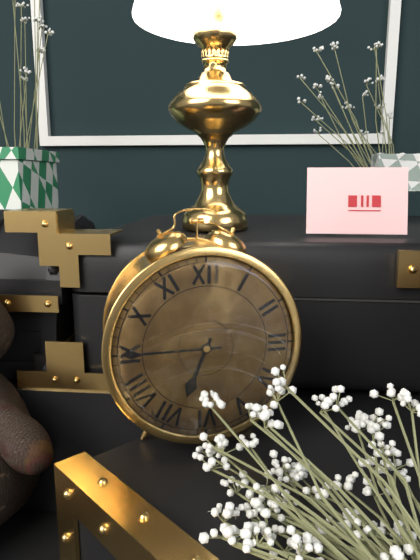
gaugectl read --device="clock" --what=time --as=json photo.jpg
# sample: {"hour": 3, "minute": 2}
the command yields {"hour": 6, "minute": 45}
